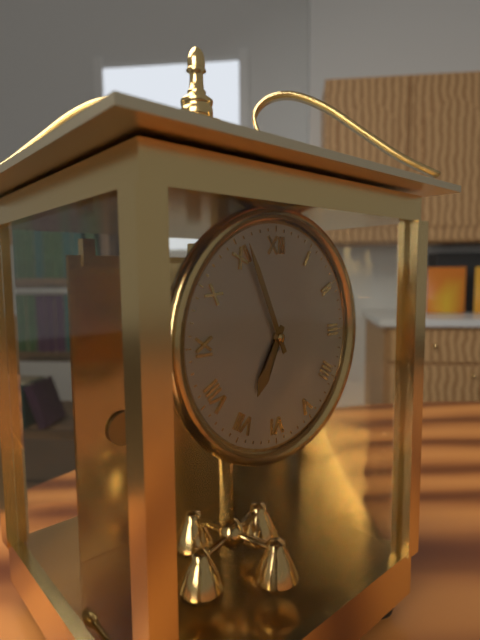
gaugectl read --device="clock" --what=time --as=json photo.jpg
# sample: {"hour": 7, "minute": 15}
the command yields {"hour": 6, "minute": 56}
